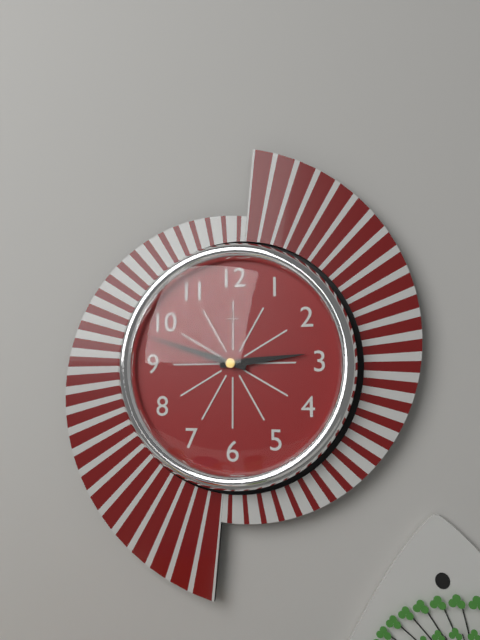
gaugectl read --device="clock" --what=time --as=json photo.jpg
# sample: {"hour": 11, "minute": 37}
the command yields {"hour": 2, "minute": 48}
